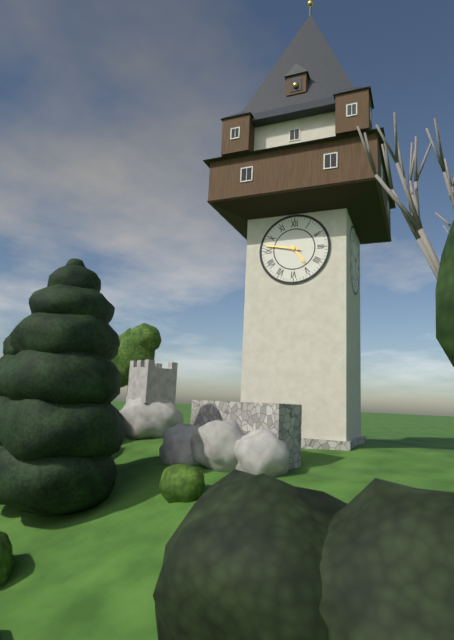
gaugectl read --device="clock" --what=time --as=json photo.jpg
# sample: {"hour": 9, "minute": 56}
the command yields {"hour": 4, "minute": 47}
